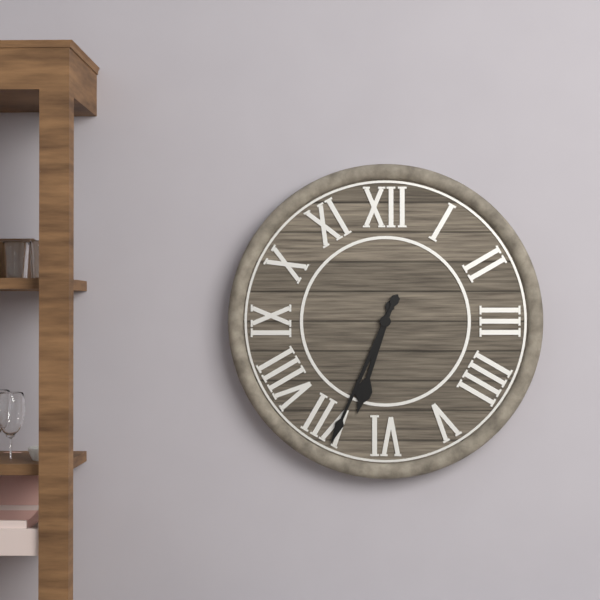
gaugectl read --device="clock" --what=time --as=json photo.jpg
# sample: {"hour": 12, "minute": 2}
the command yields {"hour": 6, "minute": 34}
